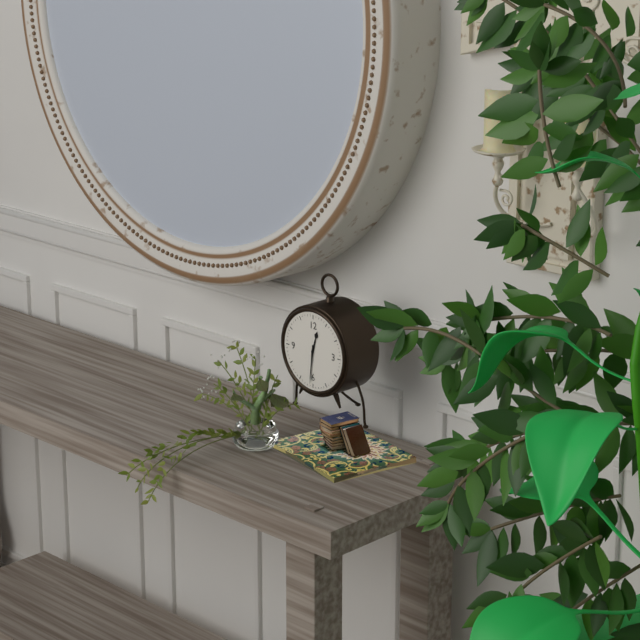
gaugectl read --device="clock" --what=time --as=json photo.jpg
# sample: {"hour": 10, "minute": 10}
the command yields {"hour": 12, "minute": 31}
